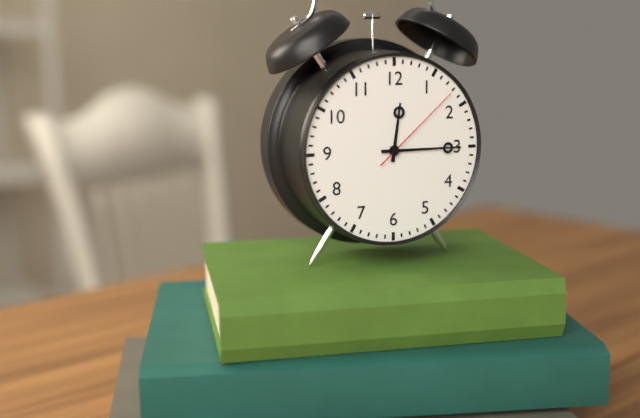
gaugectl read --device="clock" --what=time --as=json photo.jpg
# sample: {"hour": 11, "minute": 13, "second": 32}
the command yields {"hour": 12, "minute": 15, "second": 8}
